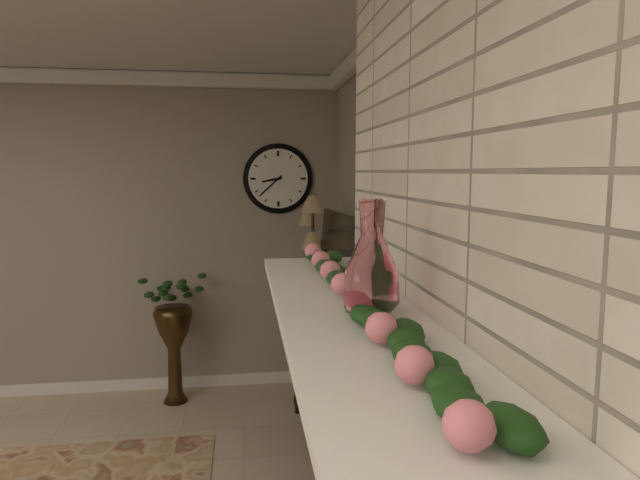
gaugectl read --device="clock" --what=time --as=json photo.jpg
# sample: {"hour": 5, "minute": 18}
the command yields {"hour": 8, "minute": 38}
